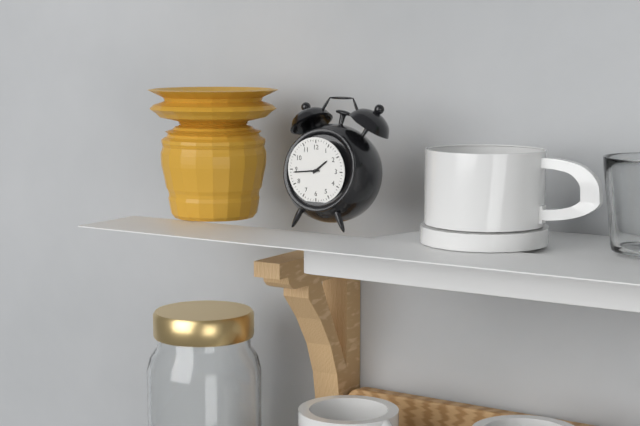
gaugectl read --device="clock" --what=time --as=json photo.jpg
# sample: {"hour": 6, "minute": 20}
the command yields {"hour": 1, "minute": 44}
